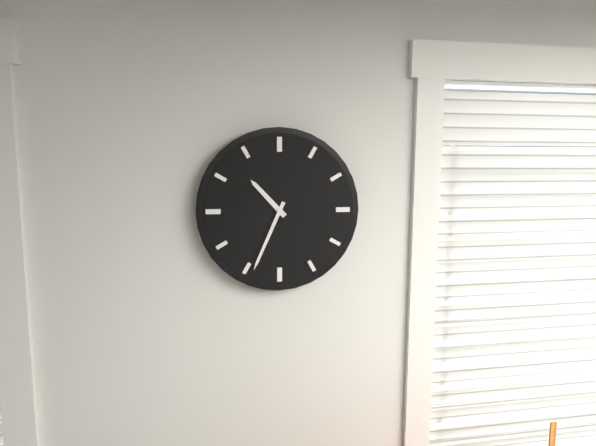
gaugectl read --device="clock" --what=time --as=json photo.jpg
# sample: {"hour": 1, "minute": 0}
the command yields {"hour": 10, "minute": 34}
